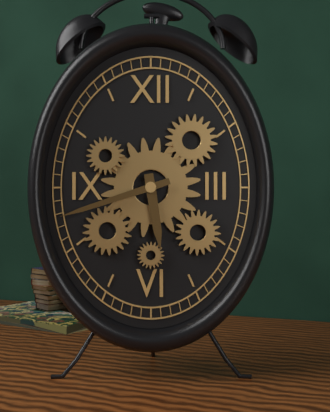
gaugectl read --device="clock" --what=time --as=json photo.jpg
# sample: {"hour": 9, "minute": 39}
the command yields {"hour": 5, "minute": 42}
